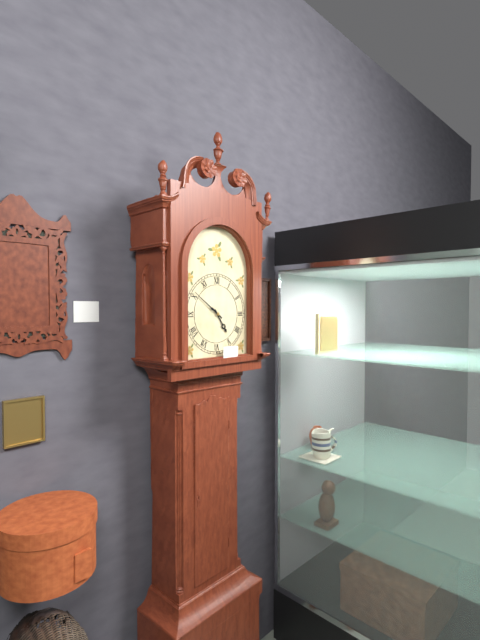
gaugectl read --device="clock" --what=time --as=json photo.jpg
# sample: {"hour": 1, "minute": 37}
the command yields {"hour": 4, "minute": 51}
